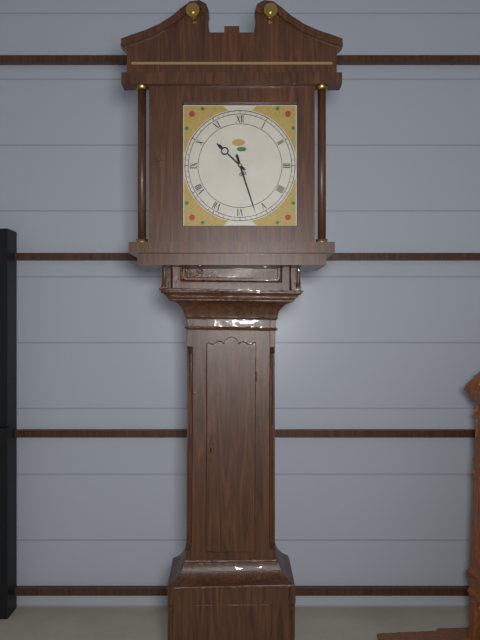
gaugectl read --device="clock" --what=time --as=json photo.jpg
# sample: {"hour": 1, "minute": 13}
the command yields {"hour": 10, "minute": 27}
